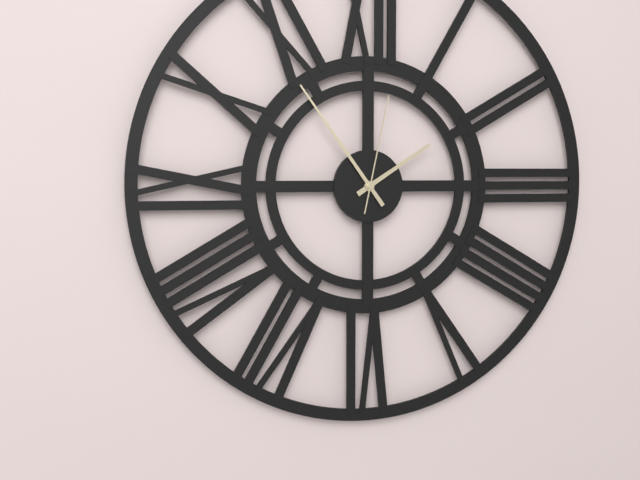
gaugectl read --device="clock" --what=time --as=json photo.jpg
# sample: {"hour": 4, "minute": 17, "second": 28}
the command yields {"hour": 1, "minute": 54, "second": 2}
